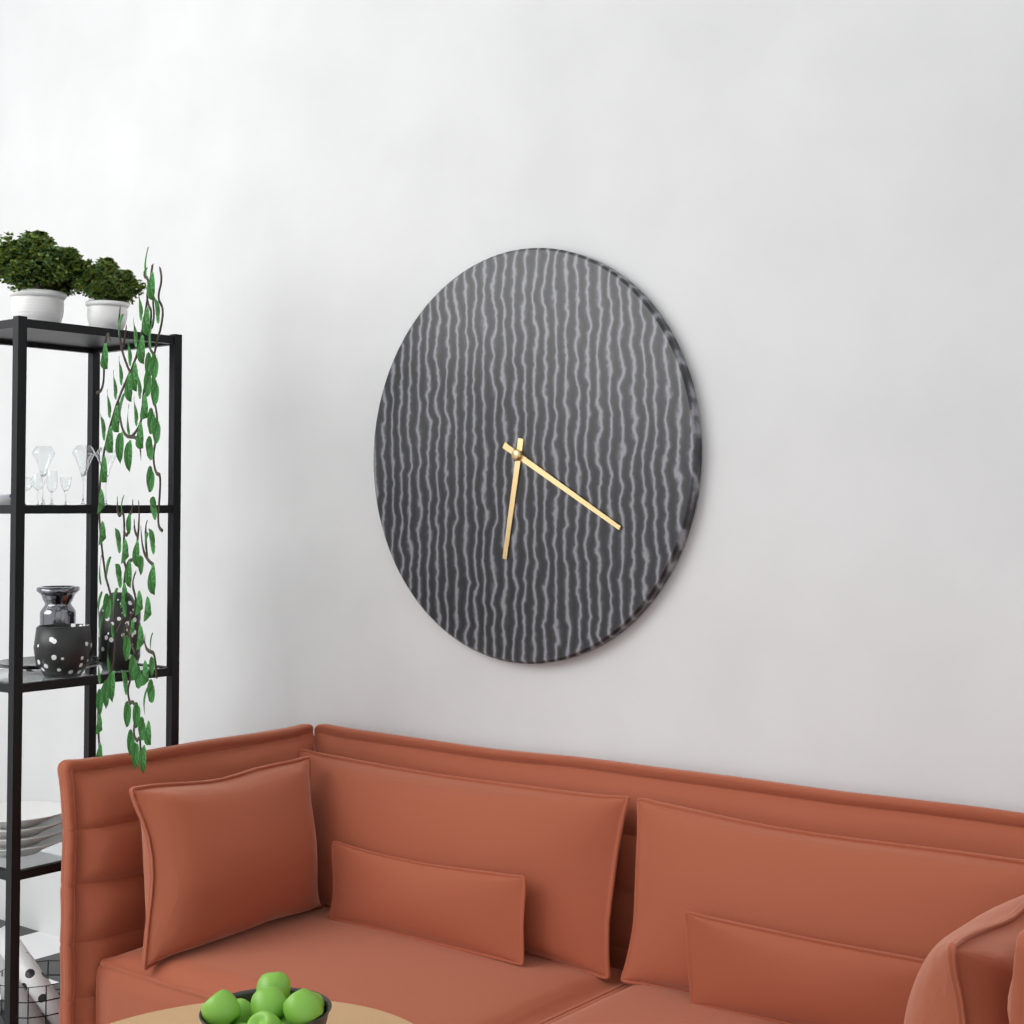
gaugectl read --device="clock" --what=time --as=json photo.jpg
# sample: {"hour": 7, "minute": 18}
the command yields {"hour": 6, "minute": 20}
